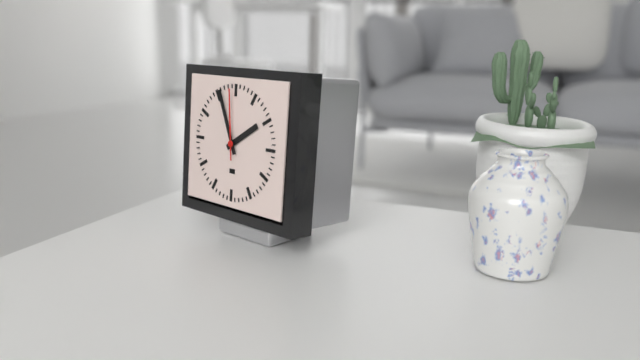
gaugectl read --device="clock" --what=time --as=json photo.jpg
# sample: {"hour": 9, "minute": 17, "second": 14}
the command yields {"hour": 1, "minute": 56, "second": 59}
